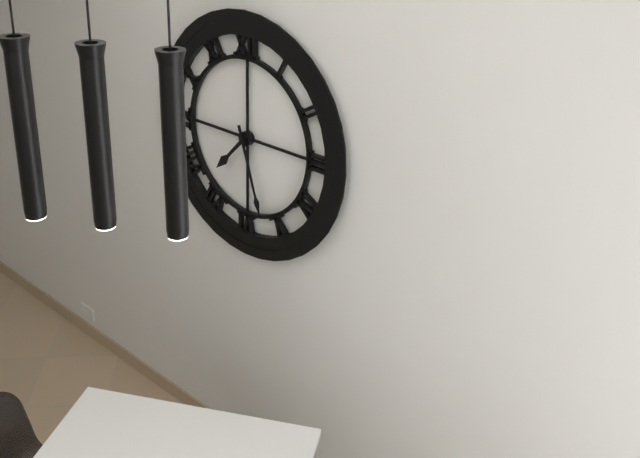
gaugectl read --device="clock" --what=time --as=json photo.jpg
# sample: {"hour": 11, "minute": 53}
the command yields {"hour": 7, "minute": 27}
